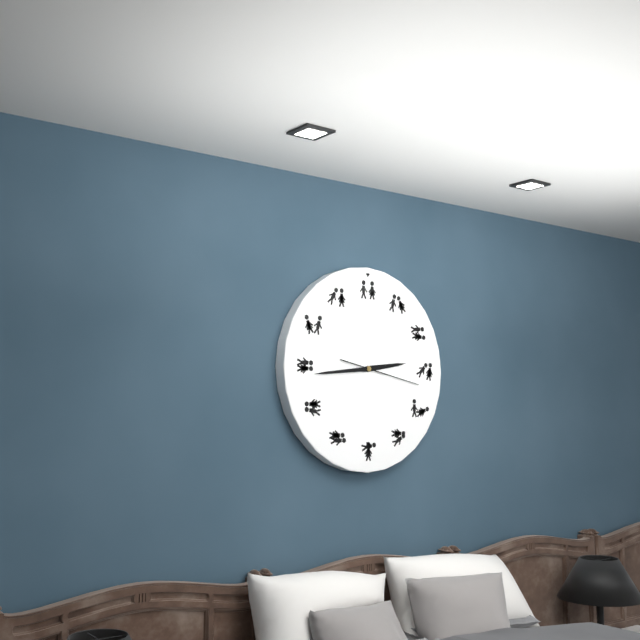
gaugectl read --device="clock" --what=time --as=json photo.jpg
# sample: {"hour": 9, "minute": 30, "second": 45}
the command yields {"hour": 2, "minute": 44, "second": 17}
